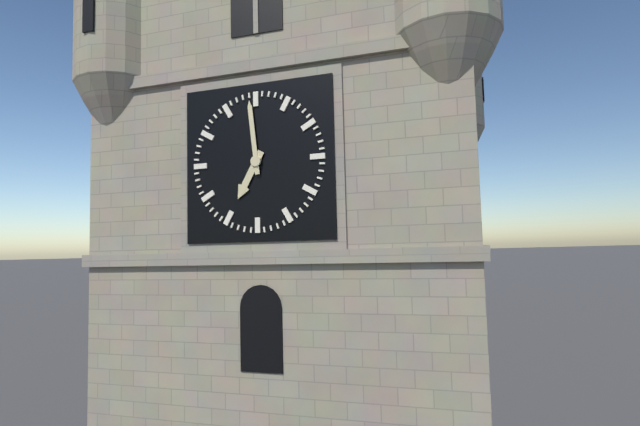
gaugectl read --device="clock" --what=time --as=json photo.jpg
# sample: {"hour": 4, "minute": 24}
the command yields {"hour": 6, "minute": 59}
